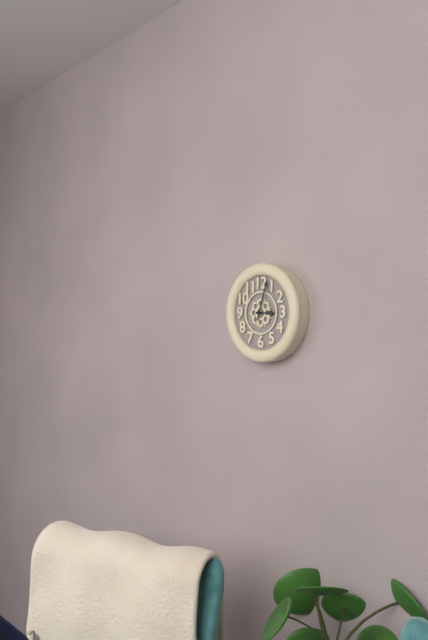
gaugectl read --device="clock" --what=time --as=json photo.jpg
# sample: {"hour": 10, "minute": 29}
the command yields {"hour": 3, "minute": 3}
